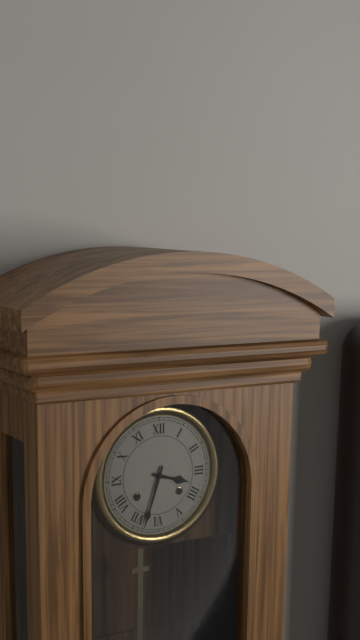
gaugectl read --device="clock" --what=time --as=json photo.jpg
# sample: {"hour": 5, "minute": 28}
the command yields {"hour": 3, "minute": 33}
